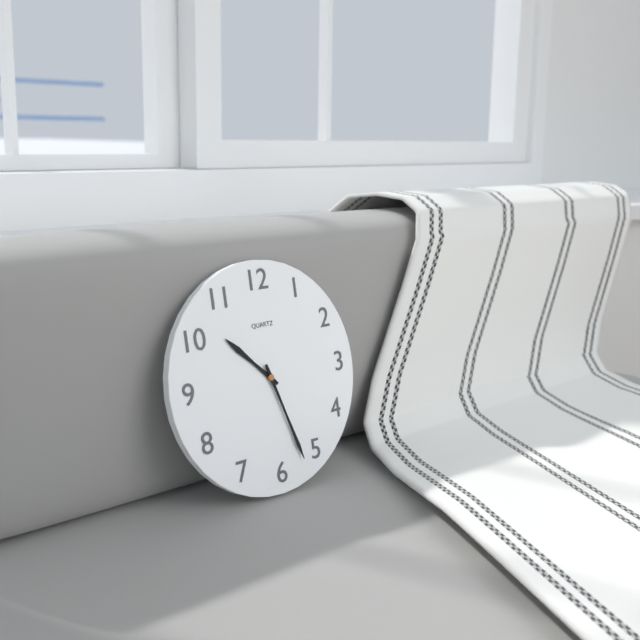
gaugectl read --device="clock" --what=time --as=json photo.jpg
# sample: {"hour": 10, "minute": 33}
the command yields {"hour": 10, "minute": 27}
